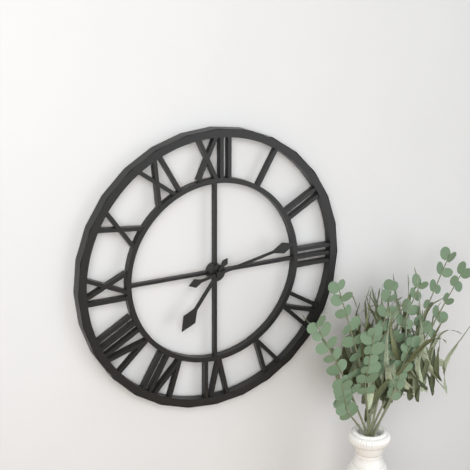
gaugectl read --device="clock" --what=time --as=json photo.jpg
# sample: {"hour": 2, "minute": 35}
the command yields {"hour": 7, "minute": 13}
